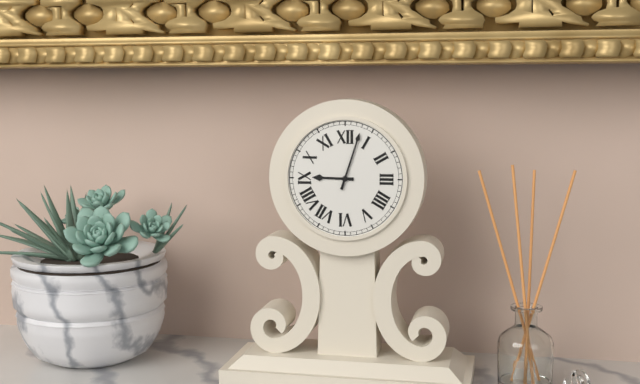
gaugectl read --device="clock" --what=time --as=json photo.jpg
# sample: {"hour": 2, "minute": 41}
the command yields {"hour": 9, "minute": 3}
